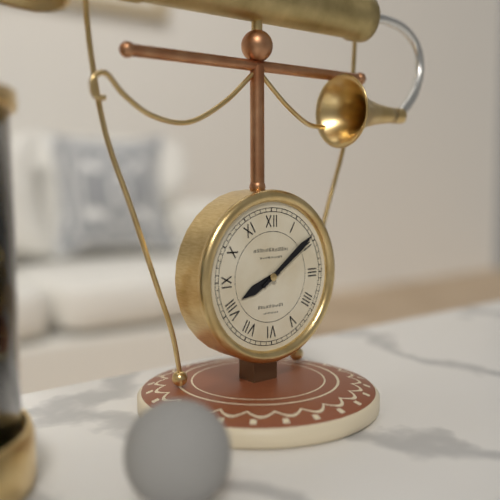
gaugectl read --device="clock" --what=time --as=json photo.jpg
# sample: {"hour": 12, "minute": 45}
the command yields {"hour": 8, "minute": 9}
